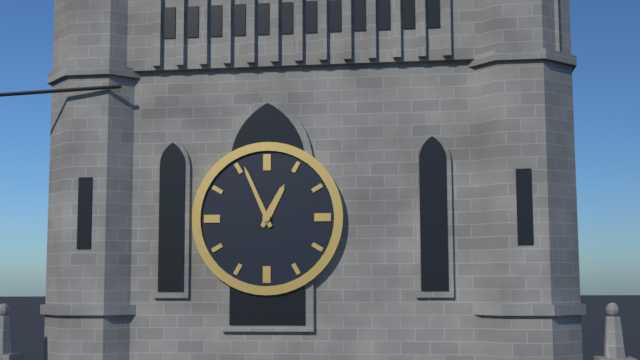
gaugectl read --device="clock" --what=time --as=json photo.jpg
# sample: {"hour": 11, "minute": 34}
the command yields {"hour": 12, "minute": 56}
